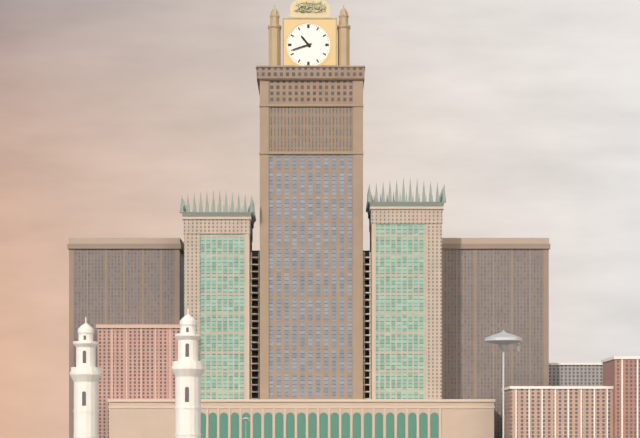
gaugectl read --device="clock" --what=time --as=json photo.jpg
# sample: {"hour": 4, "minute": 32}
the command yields {"hour": 10, "minute": 42}
